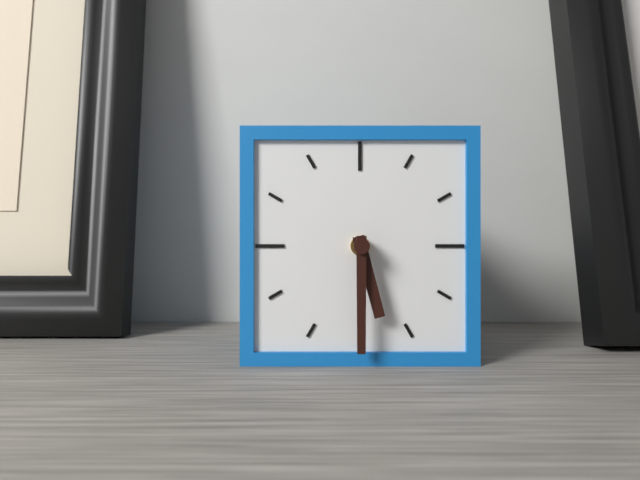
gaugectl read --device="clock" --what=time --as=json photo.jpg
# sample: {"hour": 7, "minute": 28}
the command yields {"hour": 5, "minute": 30}
